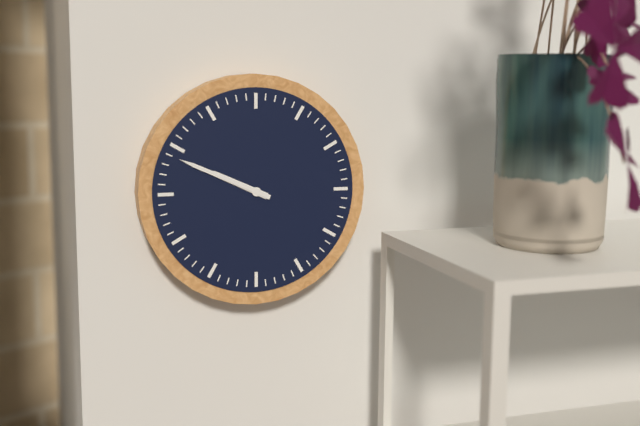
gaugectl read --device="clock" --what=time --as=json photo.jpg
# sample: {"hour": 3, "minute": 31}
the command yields {"hour": 9, "minute": 49}
